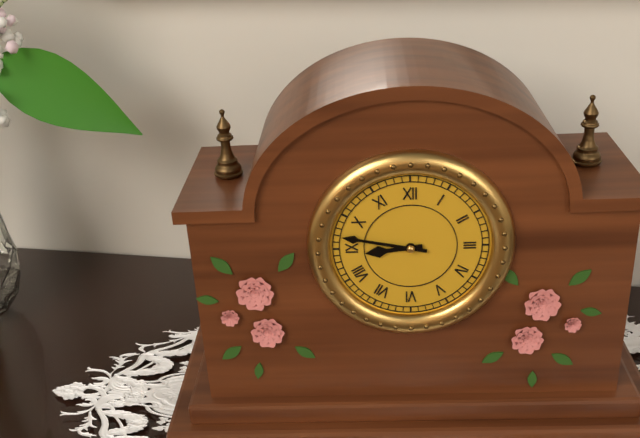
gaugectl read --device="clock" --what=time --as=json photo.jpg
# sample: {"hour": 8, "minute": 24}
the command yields {"hour": 8, "minute": 47}
